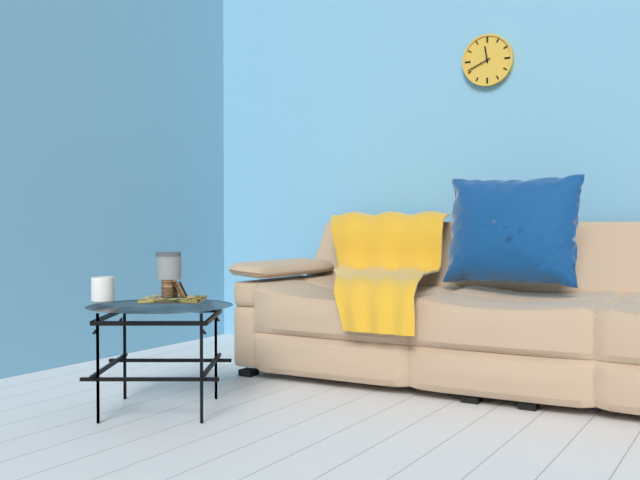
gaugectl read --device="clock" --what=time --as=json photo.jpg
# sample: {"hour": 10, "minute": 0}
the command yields {"hour": 11, "minute": 41}
